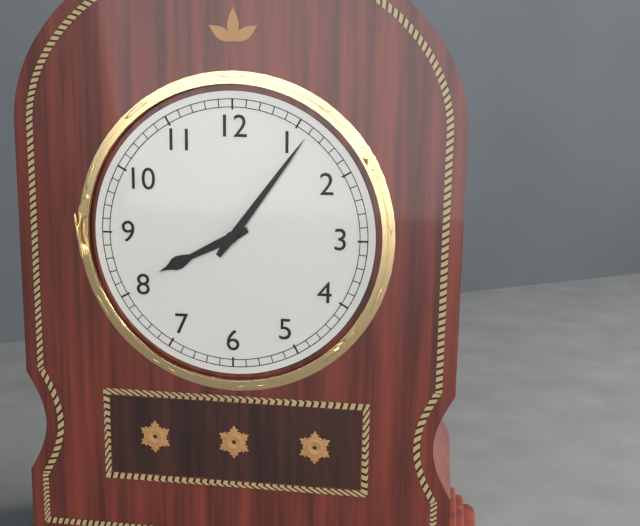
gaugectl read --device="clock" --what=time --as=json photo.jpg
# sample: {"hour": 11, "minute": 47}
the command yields {"hour": 8, "minute": 6}
